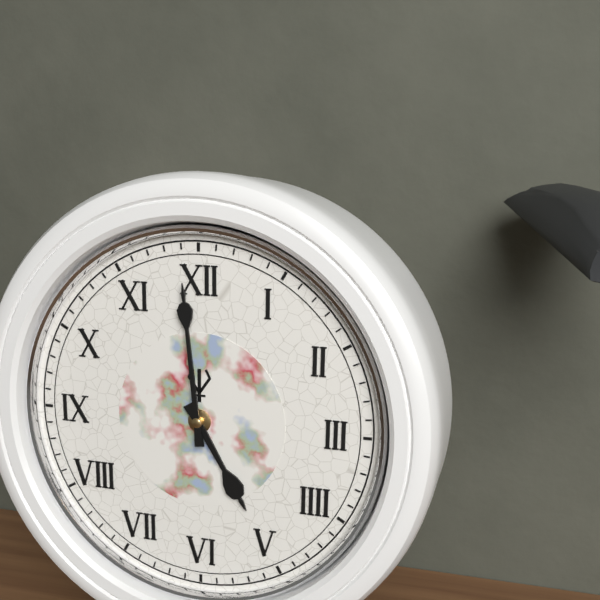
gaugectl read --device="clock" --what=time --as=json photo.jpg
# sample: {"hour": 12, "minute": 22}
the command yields {"hour": 4, "minute": 59}
